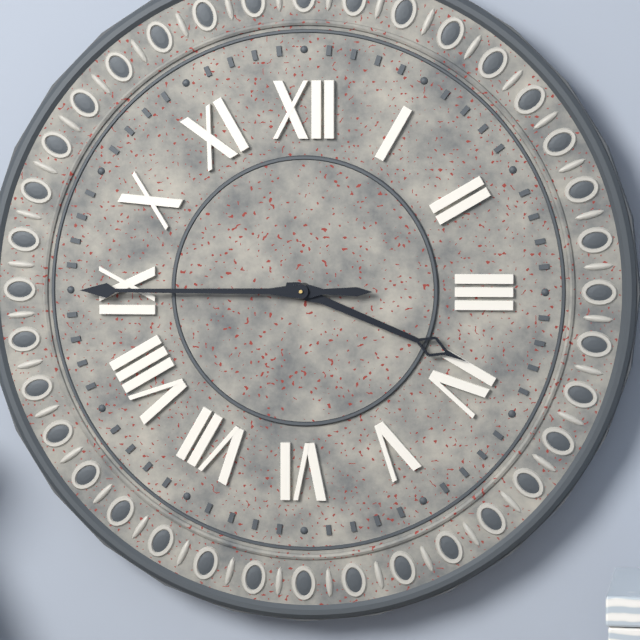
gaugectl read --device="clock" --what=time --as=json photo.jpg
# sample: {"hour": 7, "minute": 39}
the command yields {"hour": 3, "minute": 45}
